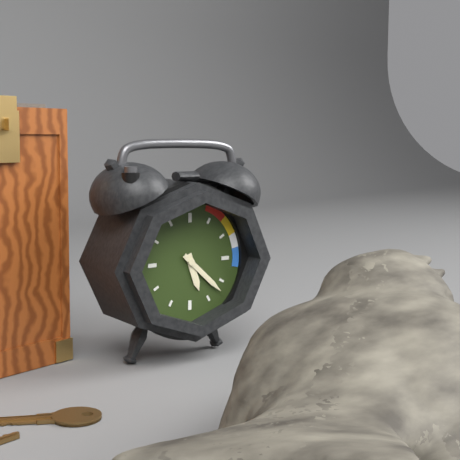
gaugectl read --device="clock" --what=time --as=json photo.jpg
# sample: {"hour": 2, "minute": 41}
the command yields {"hour": 5, "minute": 22}
